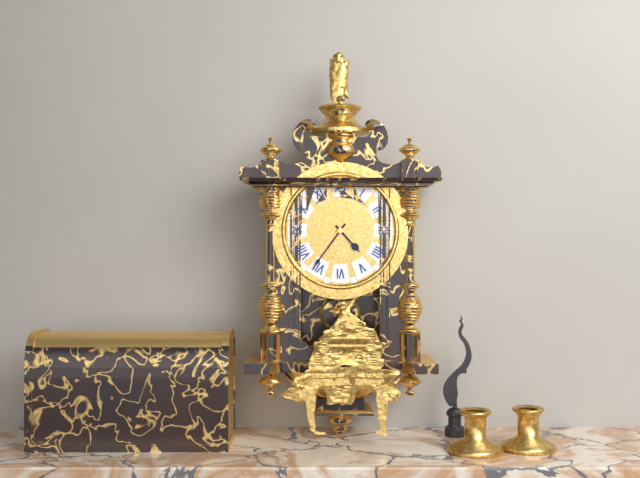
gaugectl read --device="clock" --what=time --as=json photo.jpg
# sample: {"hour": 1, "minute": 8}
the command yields {"hour": 4, "minute": 36}
